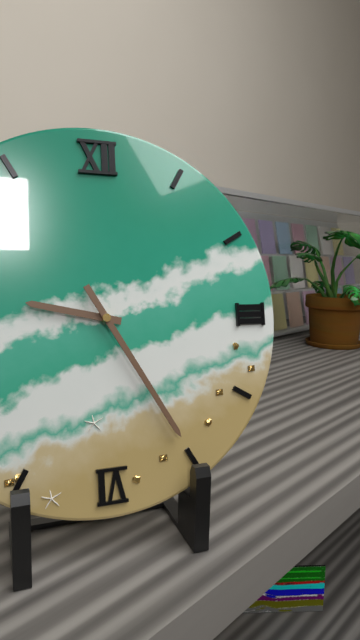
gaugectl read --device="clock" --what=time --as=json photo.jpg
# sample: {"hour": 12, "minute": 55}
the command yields {"hour": 9, "minute": 25}
